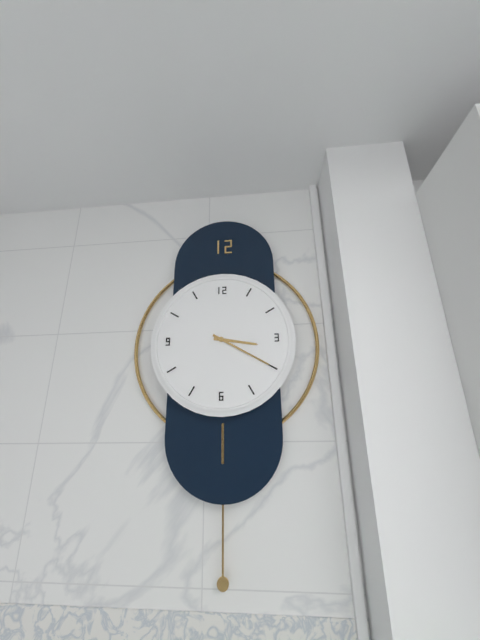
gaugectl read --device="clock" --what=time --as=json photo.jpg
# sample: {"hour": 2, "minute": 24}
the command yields {"hour": 3, "minute": 20}
